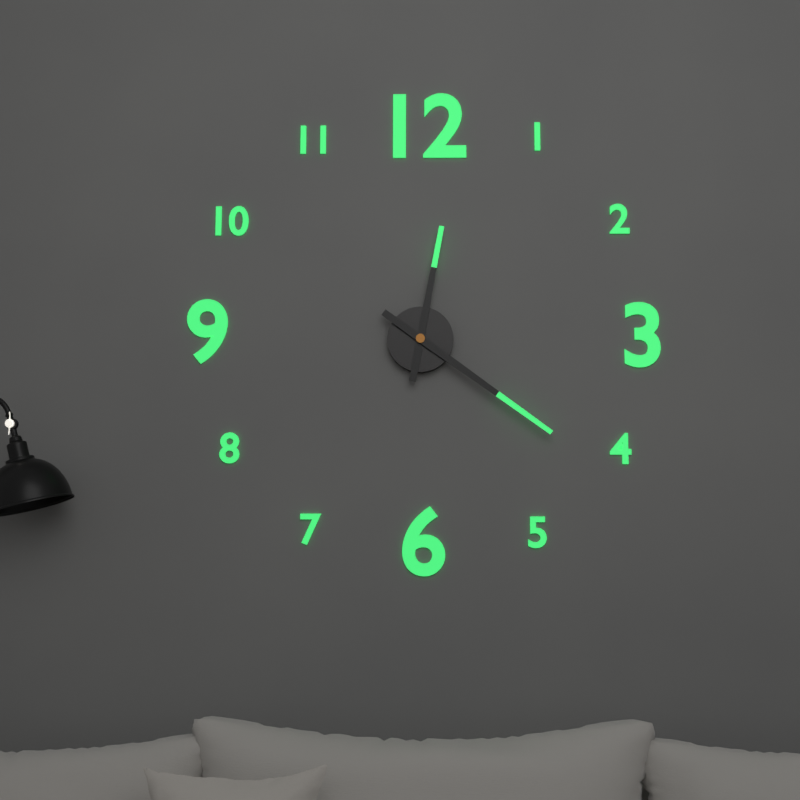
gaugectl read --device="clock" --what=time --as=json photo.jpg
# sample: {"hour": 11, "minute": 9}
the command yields {"hour": 12, "minute": 21}
